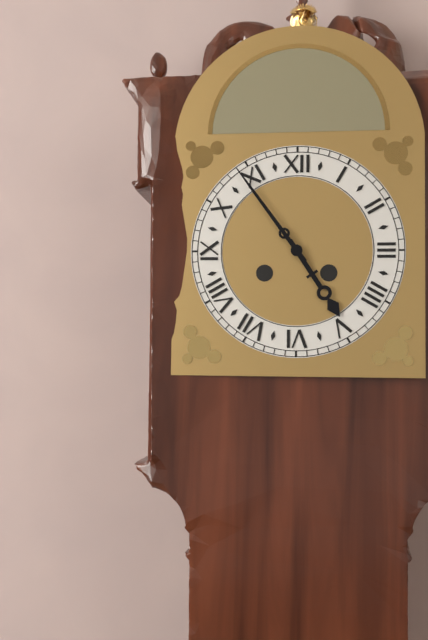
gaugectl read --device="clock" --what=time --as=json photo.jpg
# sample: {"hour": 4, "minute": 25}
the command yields {"hour": 4, "minute": 54}
